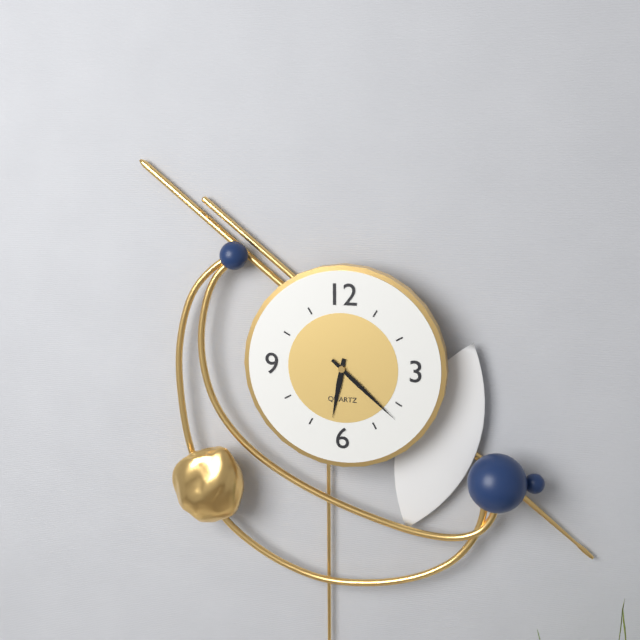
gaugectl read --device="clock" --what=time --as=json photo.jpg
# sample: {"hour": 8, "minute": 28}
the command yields {"hour": 6, "minute": 22}
